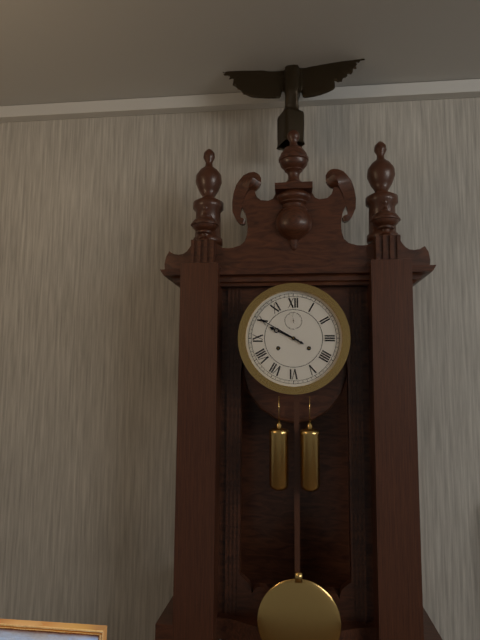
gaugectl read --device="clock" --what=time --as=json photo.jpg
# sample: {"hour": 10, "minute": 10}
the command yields {"hour": 9, "minute": 50}
